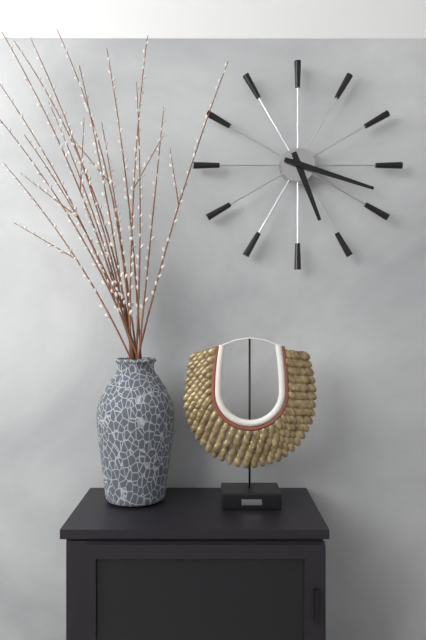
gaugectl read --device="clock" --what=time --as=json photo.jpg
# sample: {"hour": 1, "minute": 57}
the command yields {"hour": 5, "minute": 18}
